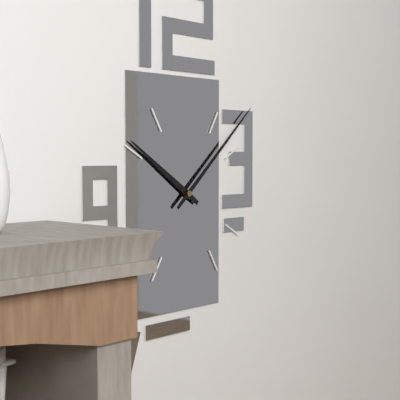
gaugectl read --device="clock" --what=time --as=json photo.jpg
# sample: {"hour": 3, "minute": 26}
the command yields {"hour": 10, "minute": 8}
